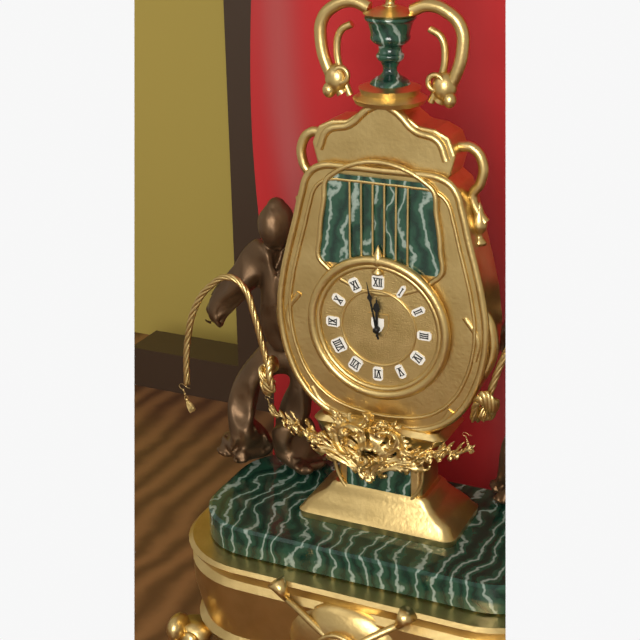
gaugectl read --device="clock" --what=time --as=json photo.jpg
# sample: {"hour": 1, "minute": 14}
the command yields {"hour": 11, "minute": 58}
